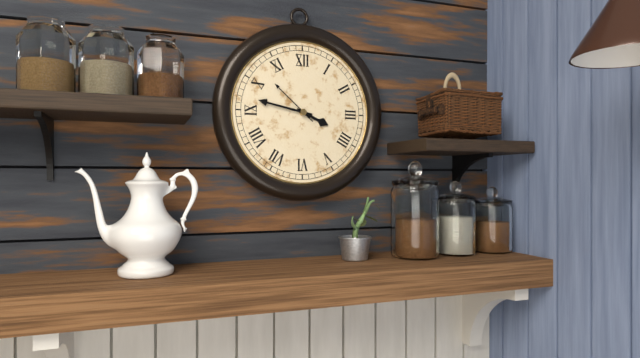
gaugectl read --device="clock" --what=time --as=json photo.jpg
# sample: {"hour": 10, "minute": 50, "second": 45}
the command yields {"hour": 3, "minute": 47, "second": 52}
